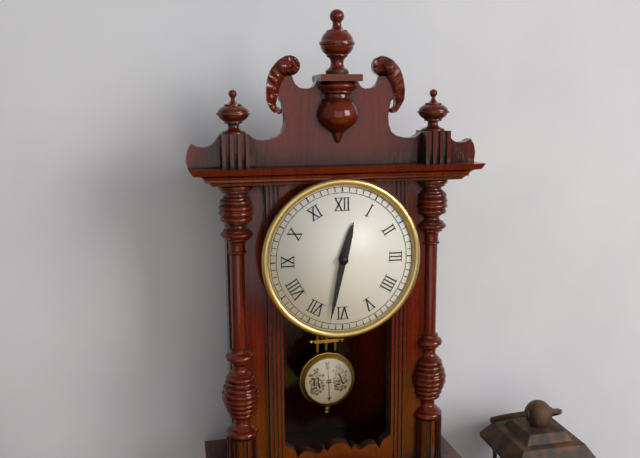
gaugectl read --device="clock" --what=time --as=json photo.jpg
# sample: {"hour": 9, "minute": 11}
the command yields {"hour": 12, "minute": 32}
